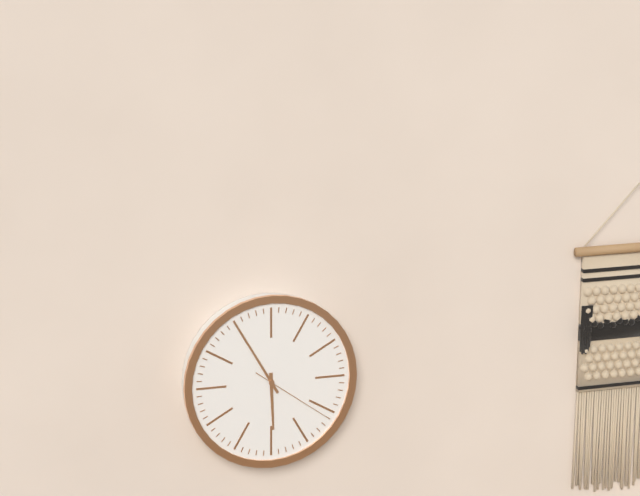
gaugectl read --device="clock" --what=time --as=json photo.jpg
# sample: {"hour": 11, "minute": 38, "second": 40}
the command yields {"hour": 5, "minute": 55, "second": 21}
